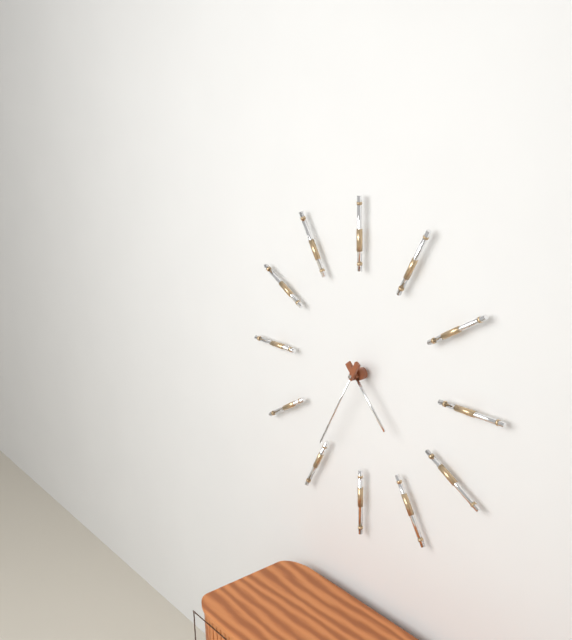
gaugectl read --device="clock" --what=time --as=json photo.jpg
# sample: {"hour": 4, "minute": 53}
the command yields {"hour": 4, "minute": 35}
